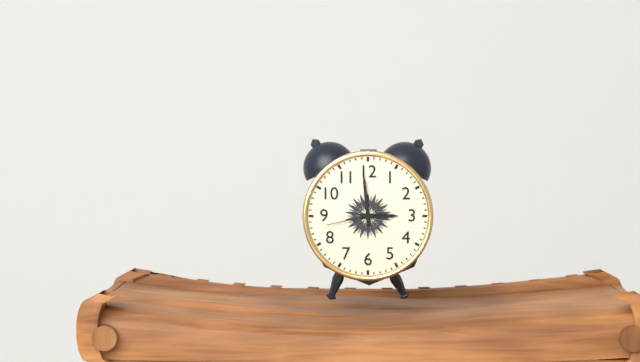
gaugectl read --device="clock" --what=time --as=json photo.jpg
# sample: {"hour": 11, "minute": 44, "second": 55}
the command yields {"hour": 2, "minute": 59, "second": 43}
